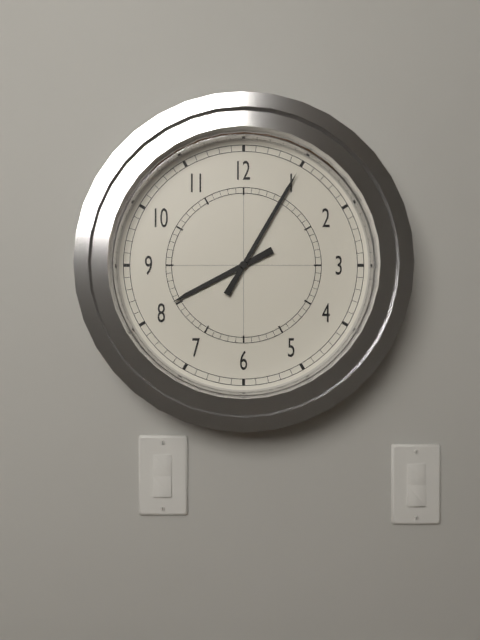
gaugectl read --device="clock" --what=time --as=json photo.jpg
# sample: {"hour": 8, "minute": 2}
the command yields {"hour": 8, "minute": 5}
